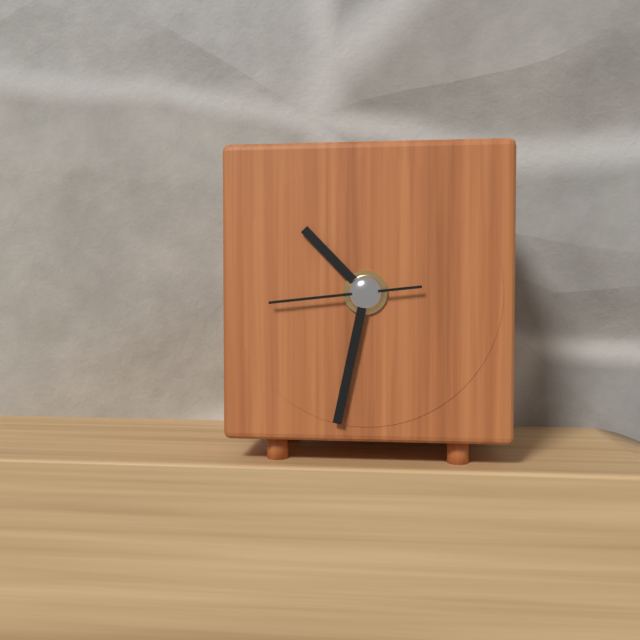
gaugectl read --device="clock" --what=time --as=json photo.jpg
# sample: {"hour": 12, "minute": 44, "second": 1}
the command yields {"hour": 10, "minute": 32, "second": 44}
